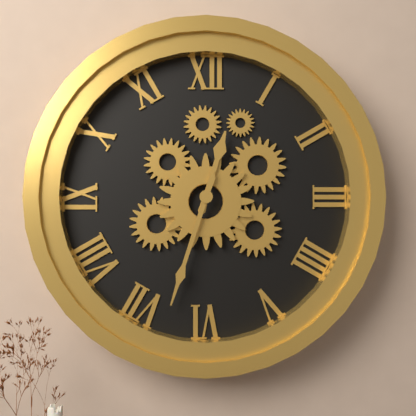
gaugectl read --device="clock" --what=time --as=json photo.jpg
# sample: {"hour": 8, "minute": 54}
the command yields {"hour": 12, "minute": 33}
